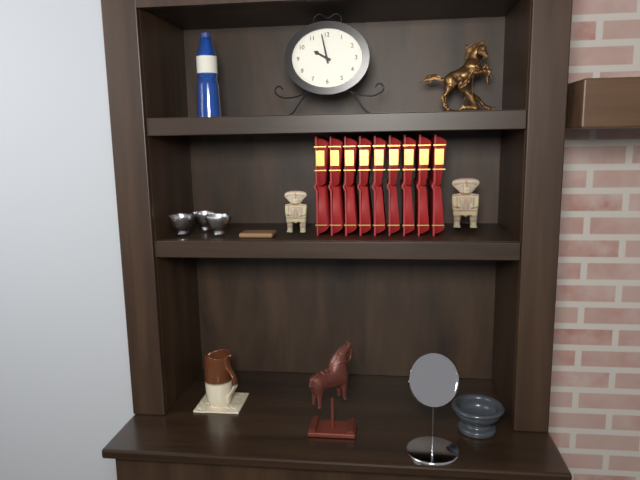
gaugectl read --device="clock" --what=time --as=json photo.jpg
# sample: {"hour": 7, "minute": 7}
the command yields {"hour": 9, "minute": 58}
